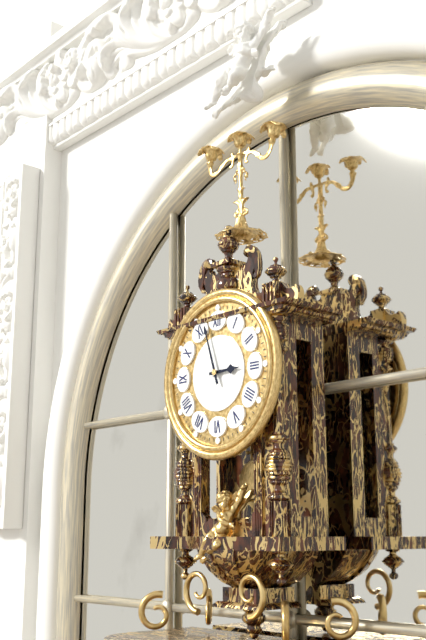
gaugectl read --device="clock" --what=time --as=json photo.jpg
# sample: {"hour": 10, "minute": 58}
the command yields {"hour": 2, "minute": 57}
